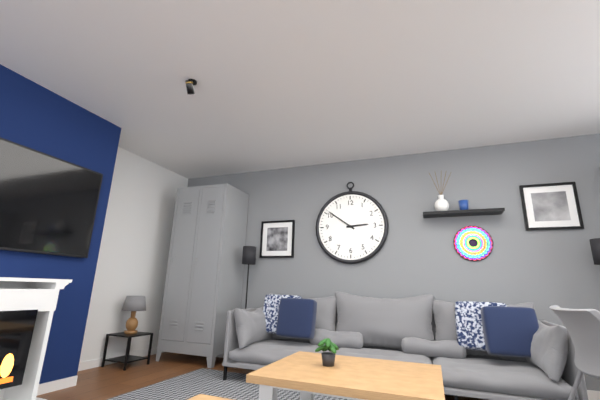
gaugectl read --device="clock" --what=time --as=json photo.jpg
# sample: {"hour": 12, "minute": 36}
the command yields {"hour": 2, "minute": 51}
